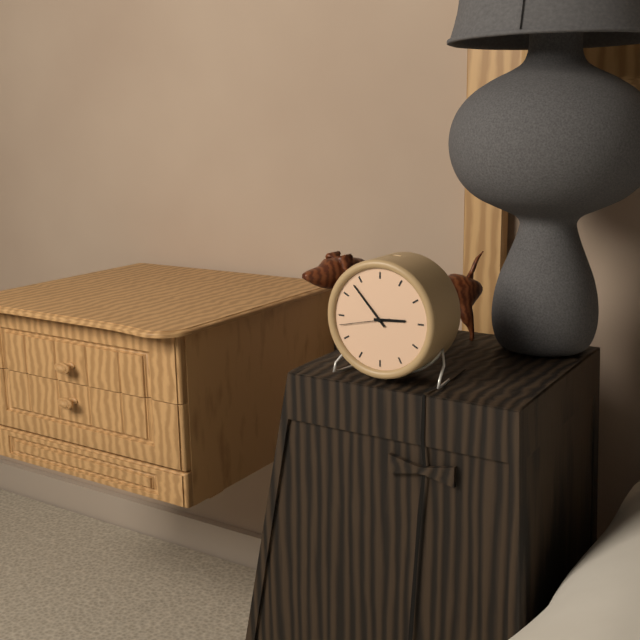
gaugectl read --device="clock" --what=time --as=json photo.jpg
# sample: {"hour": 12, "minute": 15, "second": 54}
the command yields {"hour": 2, "minute": 53, "second": 43}
